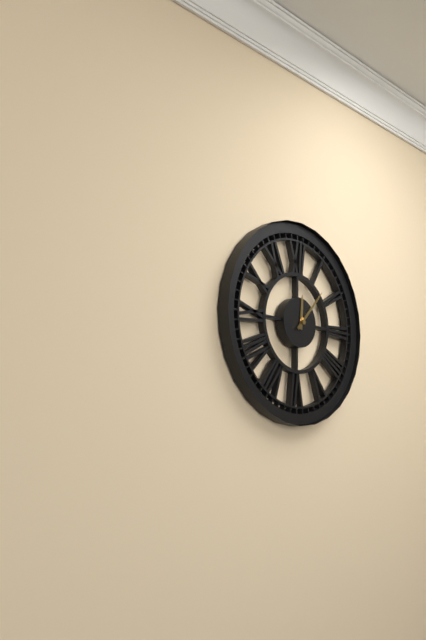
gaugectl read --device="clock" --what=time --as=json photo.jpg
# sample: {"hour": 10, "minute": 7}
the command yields {"hour": 12, "minute": 7}
